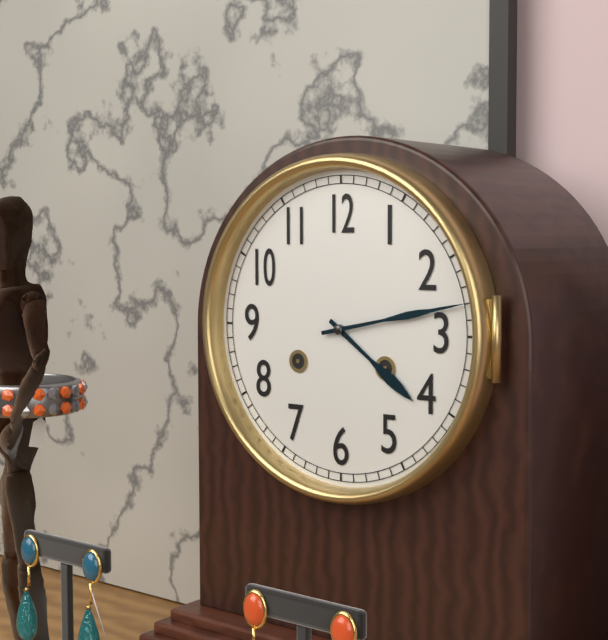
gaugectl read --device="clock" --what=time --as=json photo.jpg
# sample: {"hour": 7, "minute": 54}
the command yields {"hour": 4, "minute": 13}
